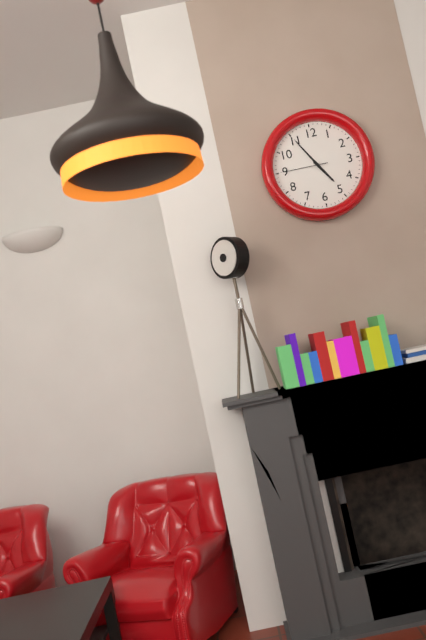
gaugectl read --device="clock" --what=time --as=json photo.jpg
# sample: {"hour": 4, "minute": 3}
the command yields {"hour": 4, "minute": 55}
